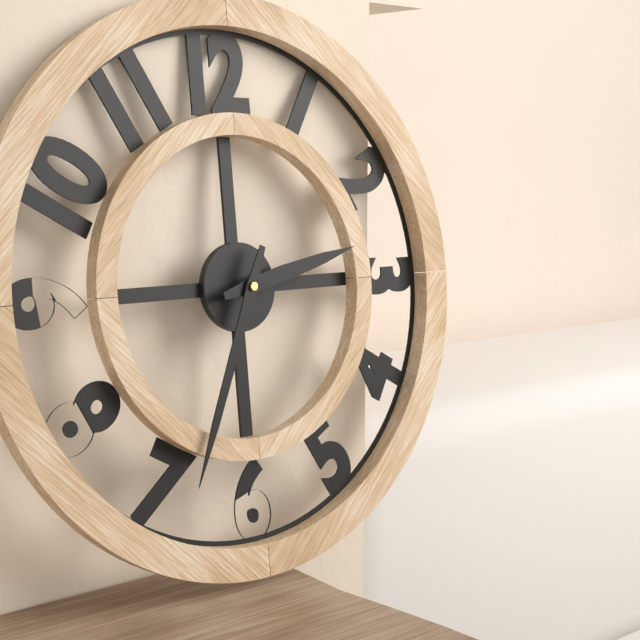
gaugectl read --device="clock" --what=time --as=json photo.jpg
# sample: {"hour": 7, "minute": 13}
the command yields {"hour": 2, "minute": 34}
